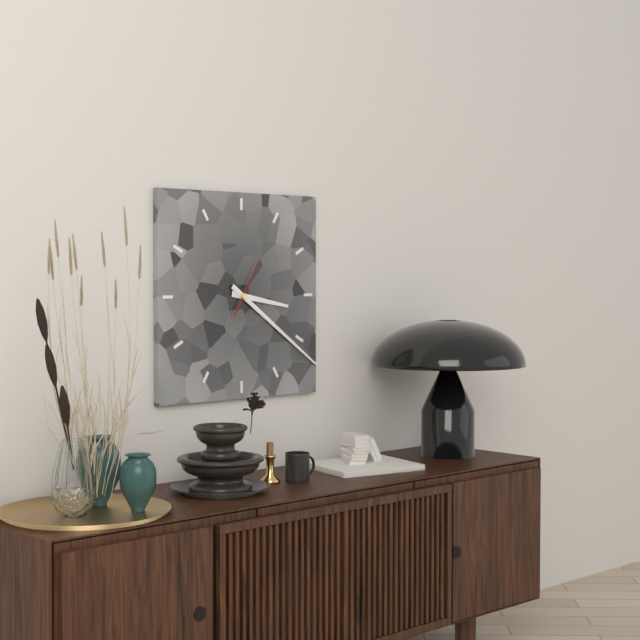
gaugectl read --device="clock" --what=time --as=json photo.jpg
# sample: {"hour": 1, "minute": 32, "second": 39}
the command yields {"hour": 3, "minute": 21, "second": 5}
